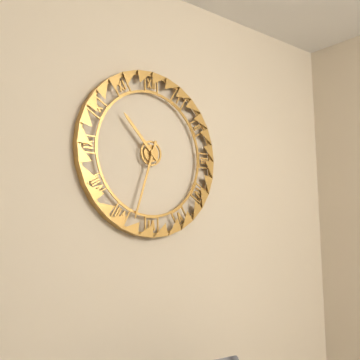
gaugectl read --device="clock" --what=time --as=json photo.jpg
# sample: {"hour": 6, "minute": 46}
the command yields {"hour": 10, "minute": 33}
